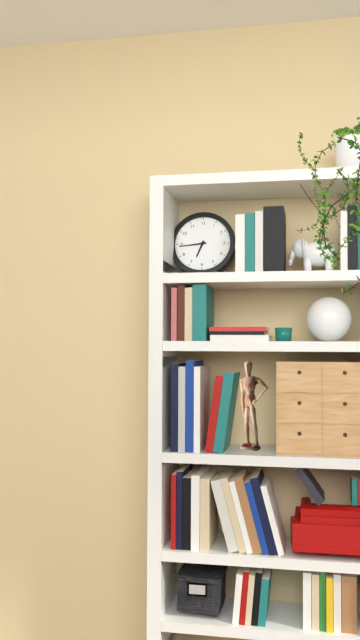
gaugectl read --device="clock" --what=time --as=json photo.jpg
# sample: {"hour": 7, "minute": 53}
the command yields {"hour": 6, "minute": 44}
